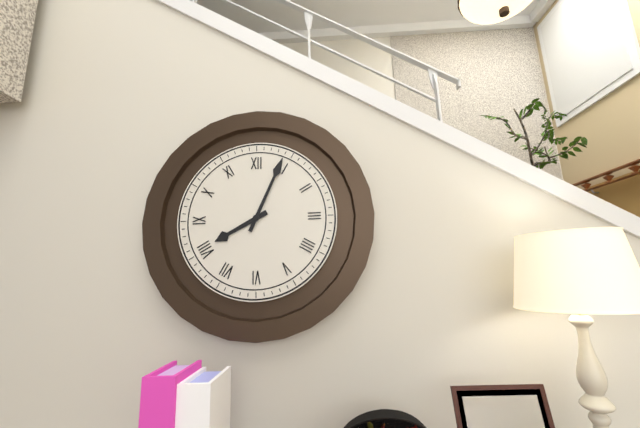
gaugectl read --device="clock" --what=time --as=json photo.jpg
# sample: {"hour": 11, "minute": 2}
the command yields {"hour": 8, "minute": 4}
